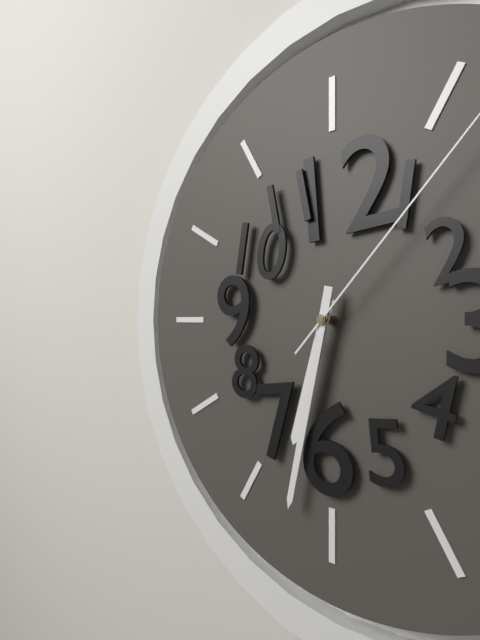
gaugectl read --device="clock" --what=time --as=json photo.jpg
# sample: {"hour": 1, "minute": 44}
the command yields {"hour": 6, "minute": 32}
